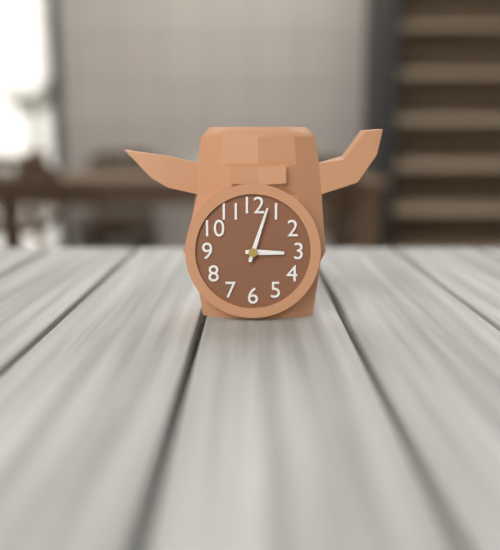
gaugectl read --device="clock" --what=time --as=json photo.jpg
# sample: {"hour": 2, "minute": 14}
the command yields {"hour": 3, "minute": 3}
